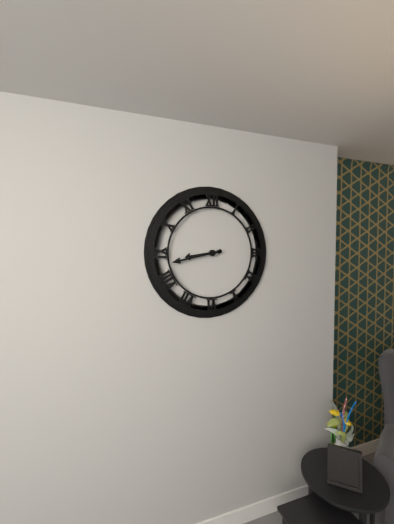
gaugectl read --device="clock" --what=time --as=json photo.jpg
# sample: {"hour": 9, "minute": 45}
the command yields {"hour": 8, "minute": 43}
